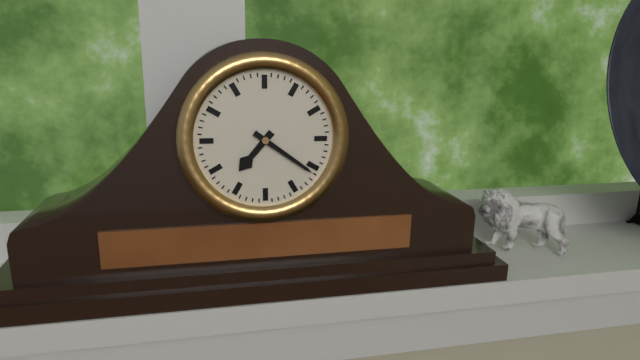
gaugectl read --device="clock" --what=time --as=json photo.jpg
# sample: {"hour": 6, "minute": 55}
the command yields {"hour": 7, "minute": 21}
